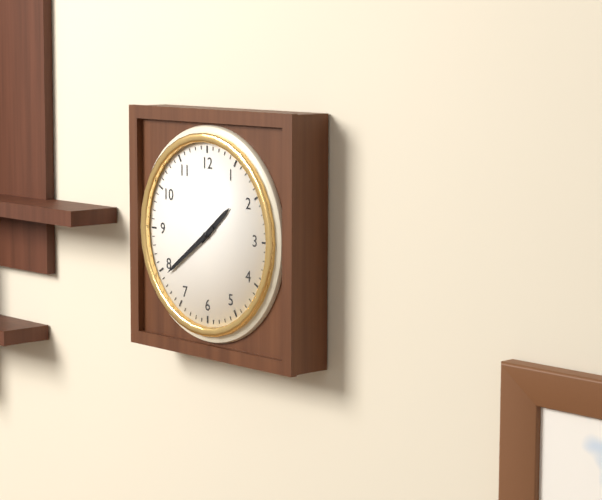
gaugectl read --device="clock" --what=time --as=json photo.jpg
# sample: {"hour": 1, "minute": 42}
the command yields {"hour": 1, "minute": 39}
